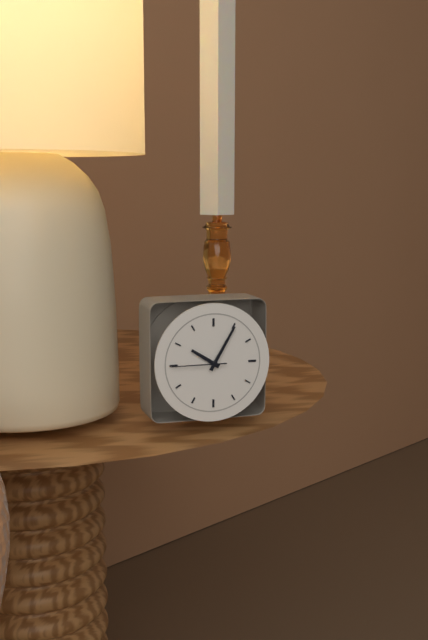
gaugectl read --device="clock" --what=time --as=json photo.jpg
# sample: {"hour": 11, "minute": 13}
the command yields {"hour": 10, "minute": 5}
